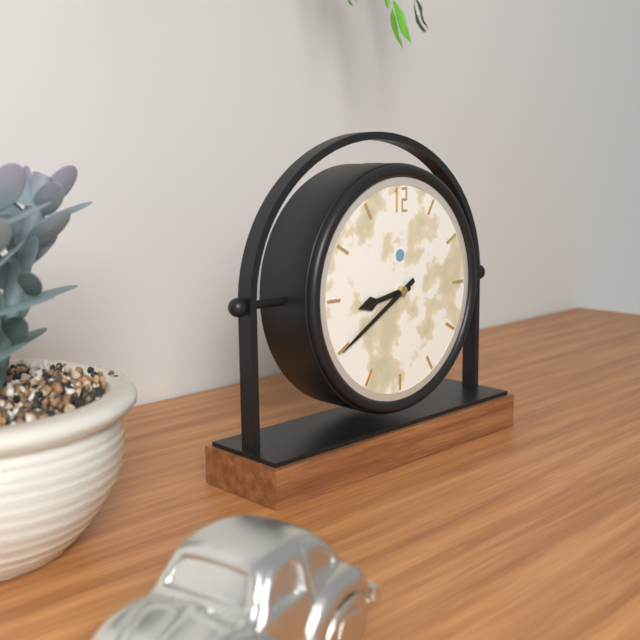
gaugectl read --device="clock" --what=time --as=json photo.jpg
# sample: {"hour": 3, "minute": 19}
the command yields {"hour": 8, "minute": 40}
